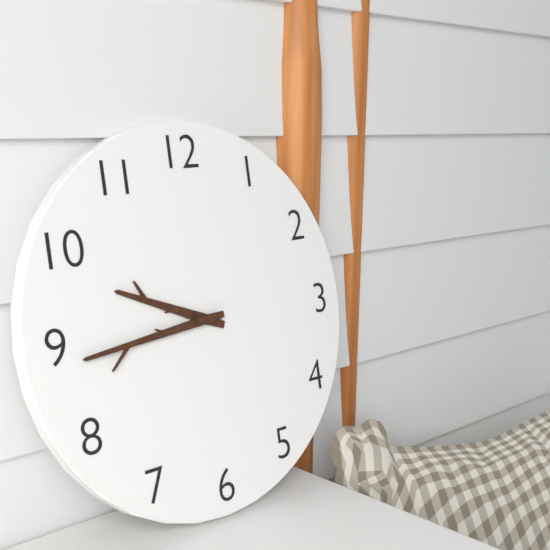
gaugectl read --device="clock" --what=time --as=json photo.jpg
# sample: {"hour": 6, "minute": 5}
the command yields {"hour": 9, "minute": 44}
